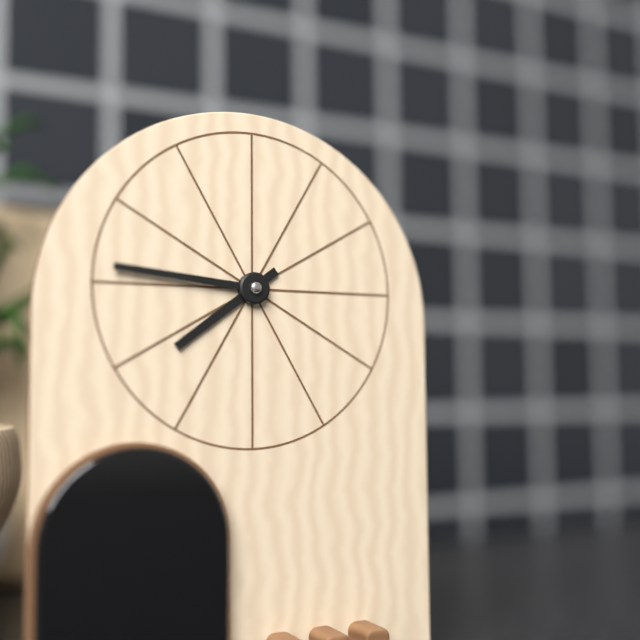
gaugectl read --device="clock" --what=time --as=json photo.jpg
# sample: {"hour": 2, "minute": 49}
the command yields {"hour": 7, "minute": 46}
